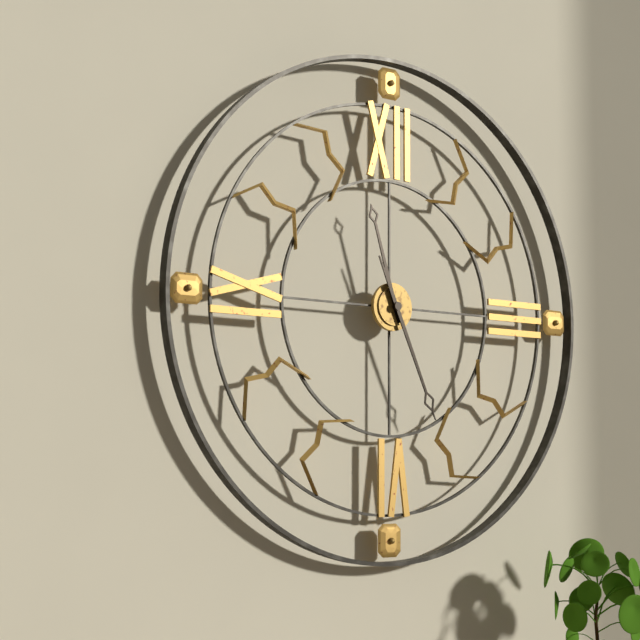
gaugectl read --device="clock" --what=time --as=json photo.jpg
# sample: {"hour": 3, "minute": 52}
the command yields {"hour": 11, "minute": 26}
